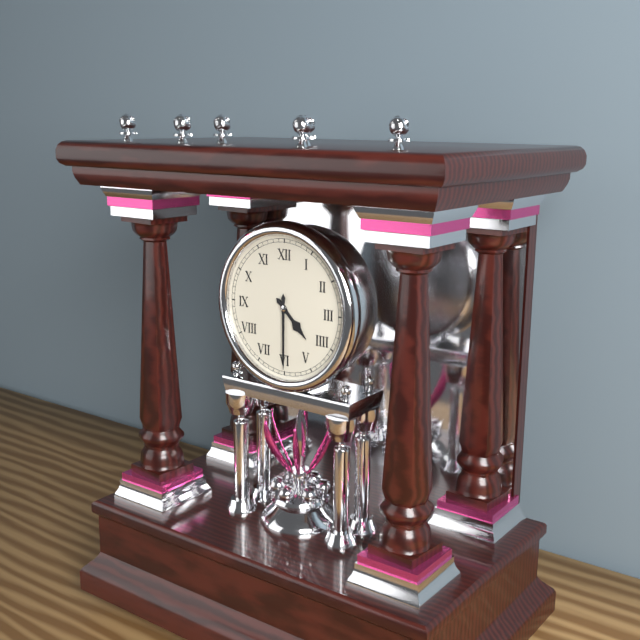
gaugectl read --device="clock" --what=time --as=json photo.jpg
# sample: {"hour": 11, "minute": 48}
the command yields {"hour": 4, "minute": 30}
